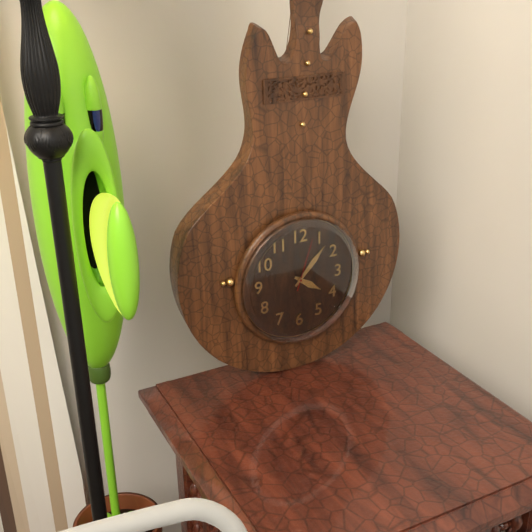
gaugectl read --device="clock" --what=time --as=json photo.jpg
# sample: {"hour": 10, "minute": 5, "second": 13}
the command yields {"hour": 4, "minute": 7, "second": 3}
